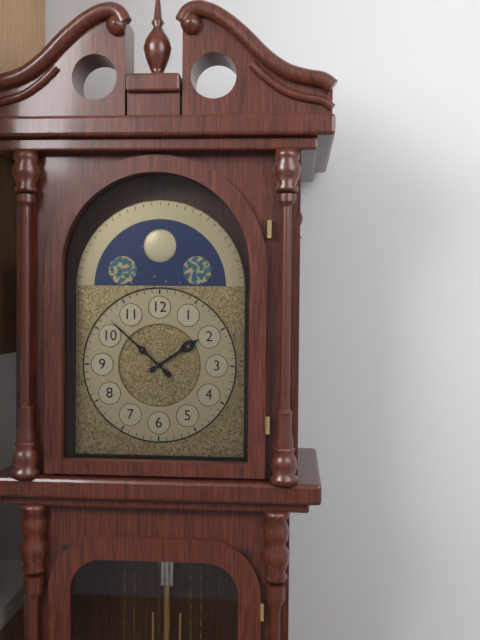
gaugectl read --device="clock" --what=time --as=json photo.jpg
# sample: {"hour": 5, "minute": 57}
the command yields {"hour": 1, "minute": 52}
